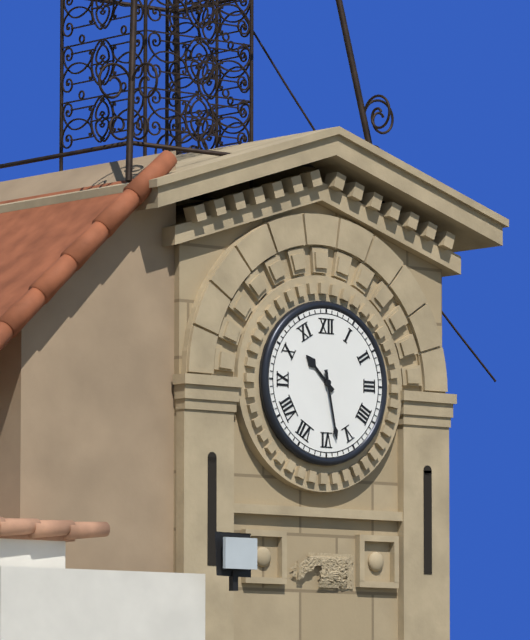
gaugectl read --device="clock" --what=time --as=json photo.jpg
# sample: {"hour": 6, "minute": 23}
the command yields {"hour": 10, "minute": 28}
